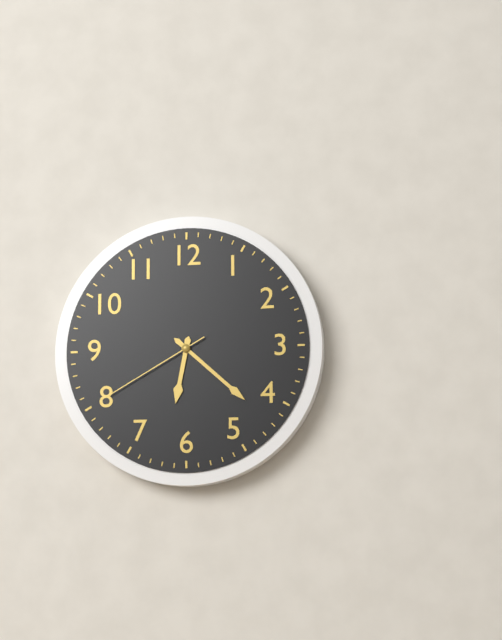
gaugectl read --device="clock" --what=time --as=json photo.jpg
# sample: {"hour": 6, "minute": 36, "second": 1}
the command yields {"hour": 6, "minute": 22, "second": 40}
